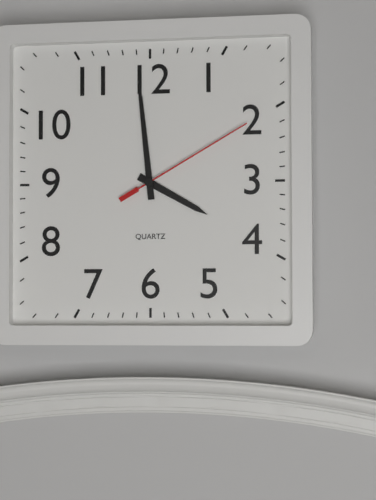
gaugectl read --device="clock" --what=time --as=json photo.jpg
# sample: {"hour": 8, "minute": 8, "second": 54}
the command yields {"hour": 3, "minute": 59, "second": 10}
